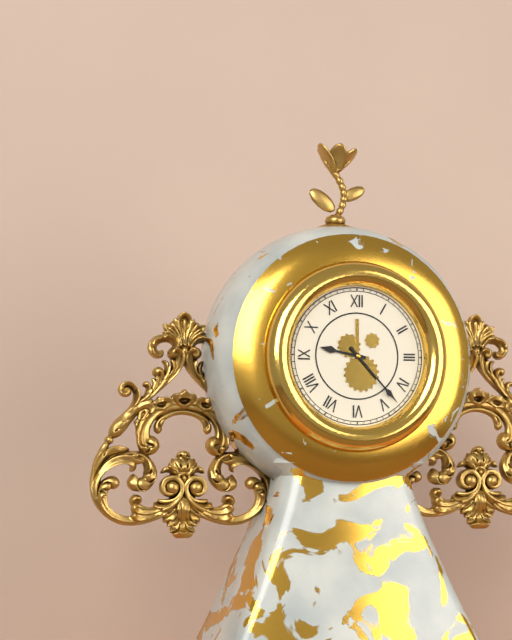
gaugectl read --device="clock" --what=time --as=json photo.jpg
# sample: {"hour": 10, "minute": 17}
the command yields {"hour": 9, "minute": 23}
